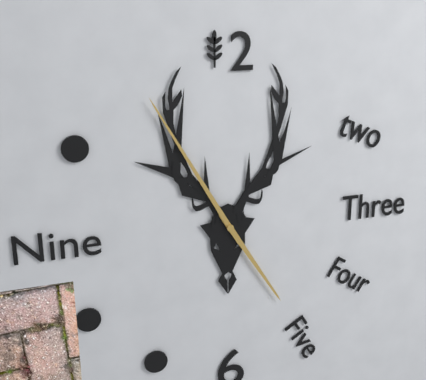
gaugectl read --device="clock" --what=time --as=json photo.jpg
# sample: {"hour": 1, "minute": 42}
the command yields {"hour": 4, "minute": 55}
